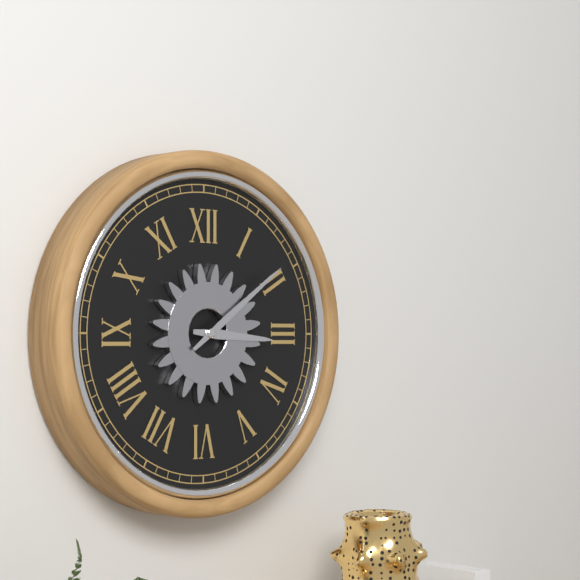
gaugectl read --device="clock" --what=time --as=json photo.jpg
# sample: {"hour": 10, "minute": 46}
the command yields {"hour": 3, "minute": 9}
